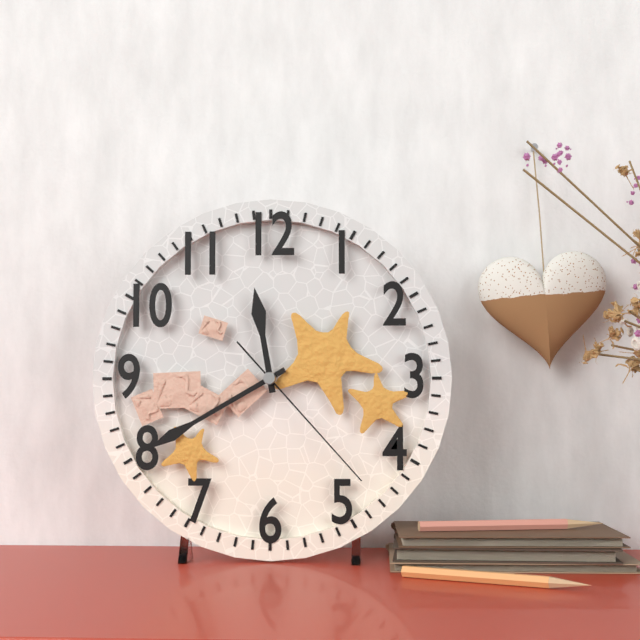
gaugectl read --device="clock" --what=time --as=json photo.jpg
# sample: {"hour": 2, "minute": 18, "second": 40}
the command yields {"hour": 11, "minute": 40, "second": 23}
